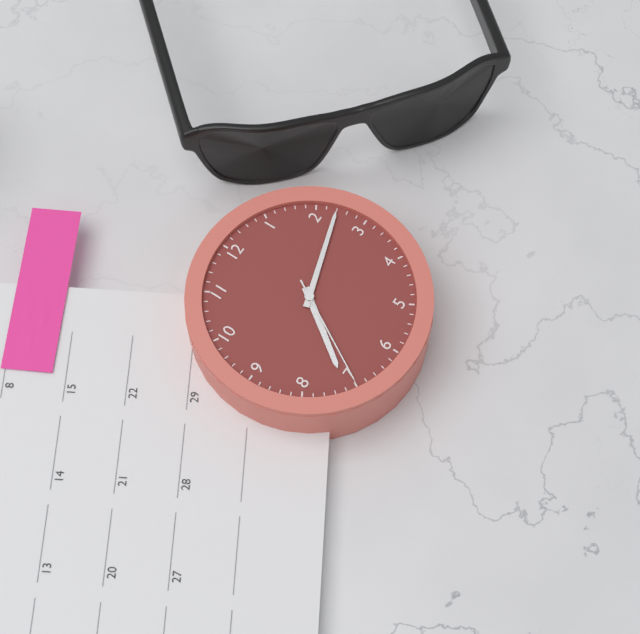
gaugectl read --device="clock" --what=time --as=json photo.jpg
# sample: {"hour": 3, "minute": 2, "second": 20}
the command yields {"hour": 7, "minute": 12, "second": 35}
